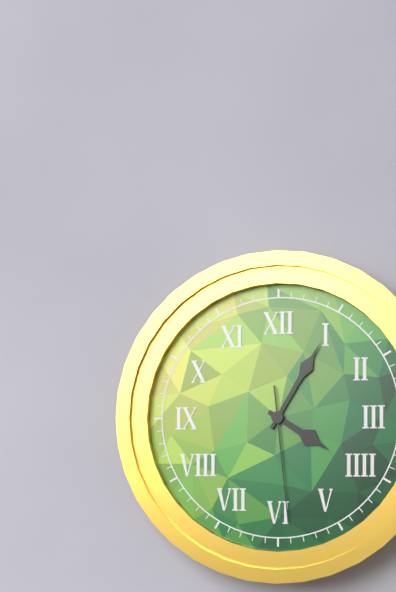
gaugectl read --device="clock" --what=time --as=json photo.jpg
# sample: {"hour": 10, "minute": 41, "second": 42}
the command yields {"hour": 4, "minute": 5, "second": 29}
